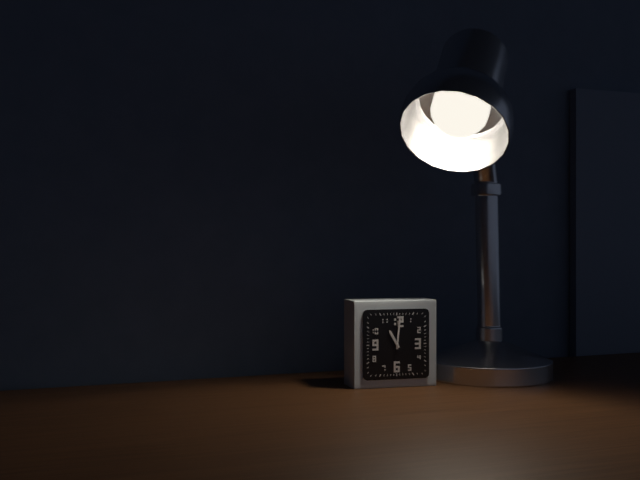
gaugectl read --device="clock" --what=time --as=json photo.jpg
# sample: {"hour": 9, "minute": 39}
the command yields {"hour": 11, "minute": 1}
